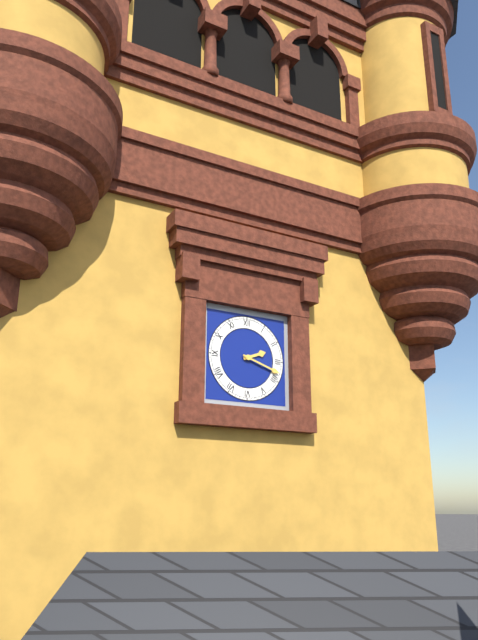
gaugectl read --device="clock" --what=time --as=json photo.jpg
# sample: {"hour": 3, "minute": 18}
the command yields {"hour": 2, "minute": 18}
